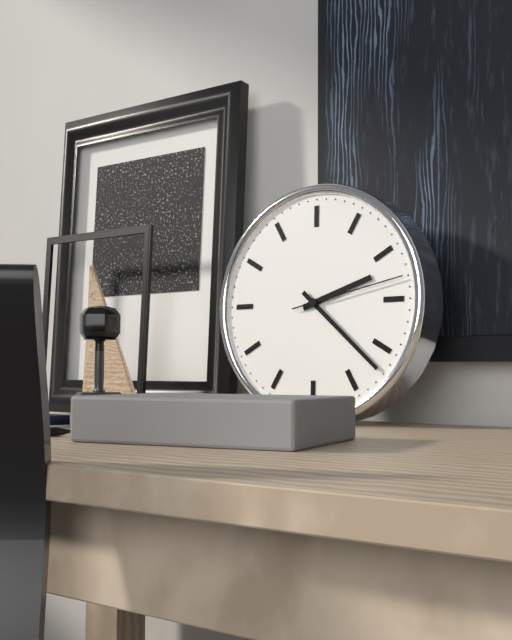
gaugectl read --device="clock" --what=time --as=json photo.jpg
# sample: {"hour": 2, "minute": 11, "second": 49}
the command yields {"hour": 2, "minute": 22, "second": 13}
